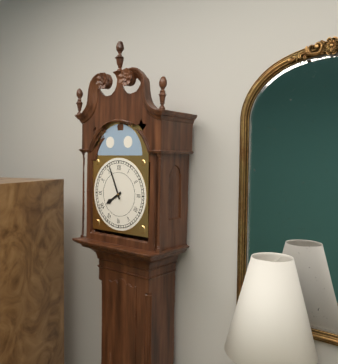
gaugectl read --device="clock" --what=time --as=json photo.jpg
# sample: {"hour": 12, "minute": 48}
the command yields {"hour": 7, "minute": 56}
